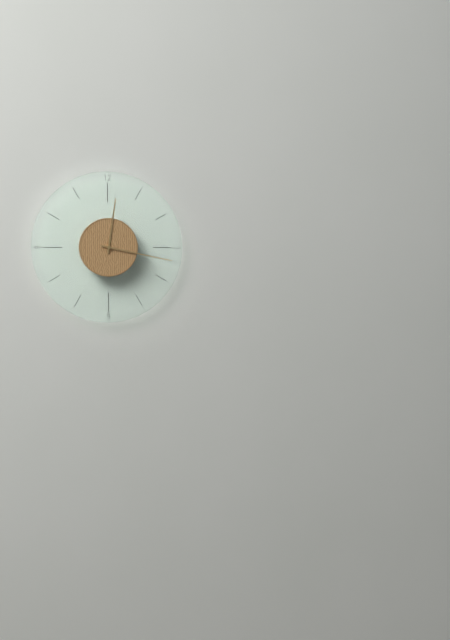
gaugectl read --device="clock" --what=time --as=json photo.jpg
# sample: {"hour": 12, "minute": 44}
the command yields {"hour": 12, "minute": 17}
